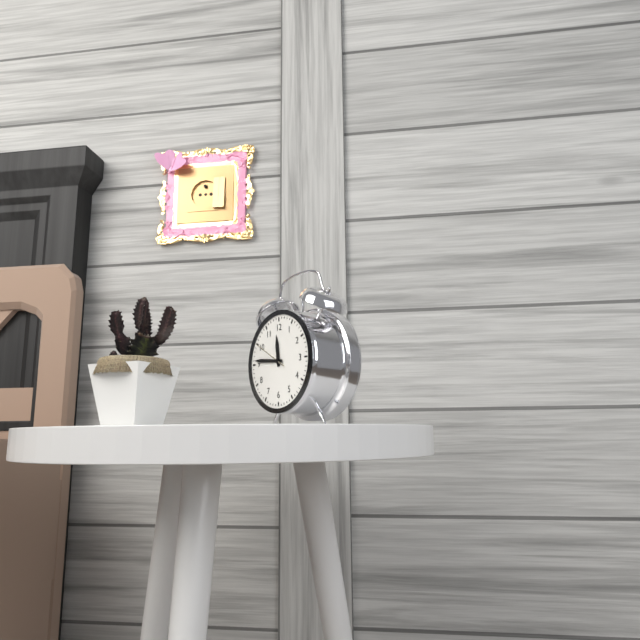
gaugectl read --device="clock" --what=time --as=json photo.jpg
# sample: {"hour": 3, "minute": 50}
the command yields {"hour": 11, "minute": 46}
